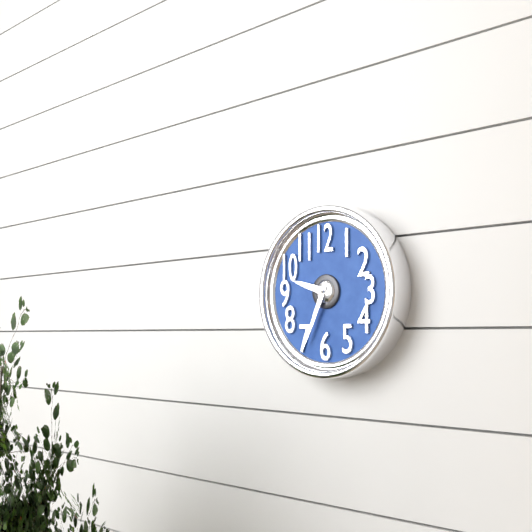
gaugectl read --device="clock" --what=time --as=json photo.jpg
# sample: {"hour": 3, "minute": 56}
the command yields {"hour": 9, "minute": 34}
